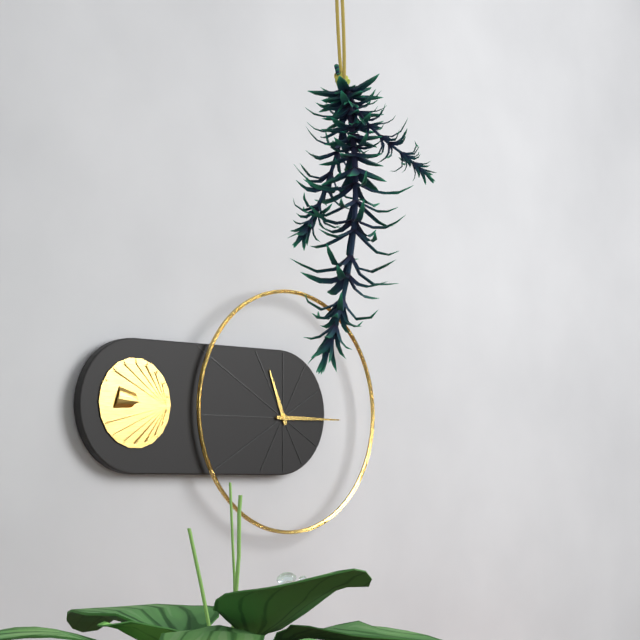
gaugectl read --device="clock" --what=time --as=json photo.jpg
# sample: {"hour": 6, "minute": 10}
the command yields {"hour": 11, "minute": 15}
